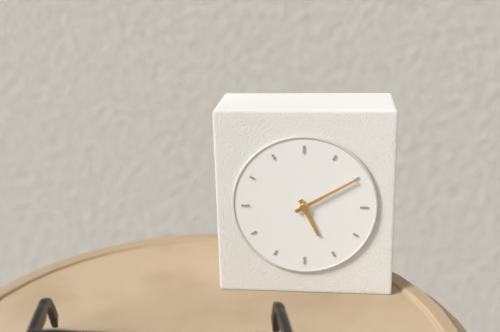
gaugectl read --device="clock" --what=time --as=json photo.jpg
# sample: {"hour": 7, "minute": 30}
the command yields {"hour": 5, "minute": 10}
